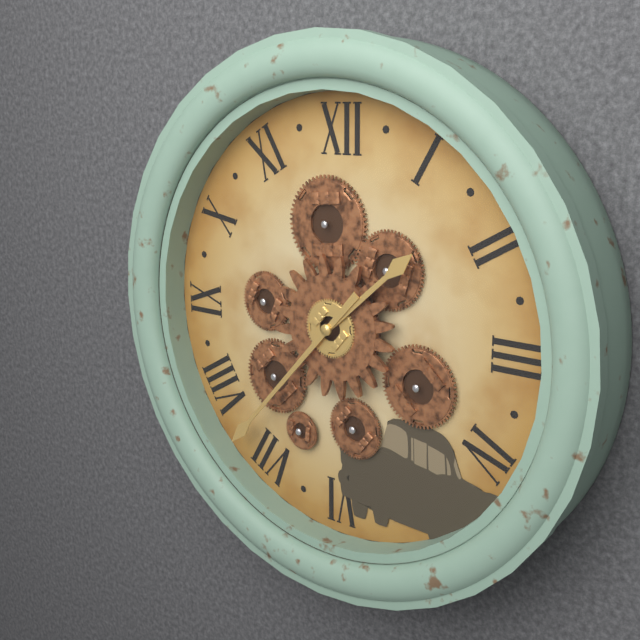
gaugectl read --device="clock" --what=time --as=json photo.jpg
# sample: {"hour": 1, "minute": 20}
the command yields {"hour": 1, "minute": 37}
